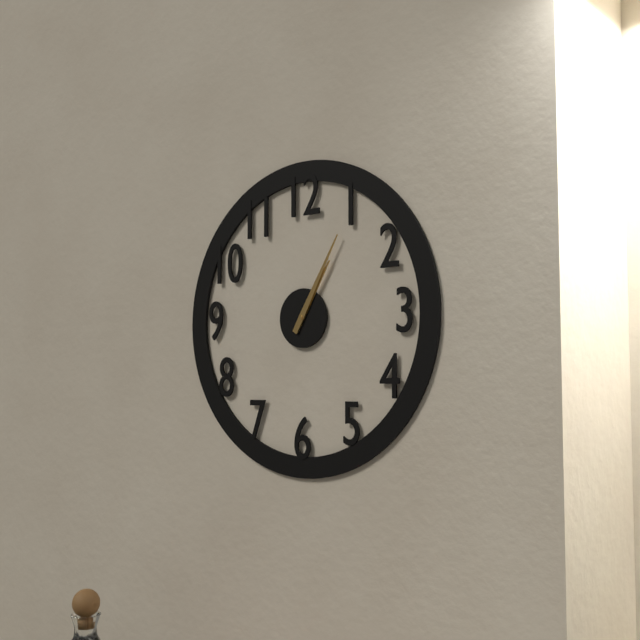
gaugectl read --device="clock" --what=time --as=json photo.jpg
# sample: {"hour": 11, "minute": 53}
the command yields {"hour": 1, "minute": 5}
